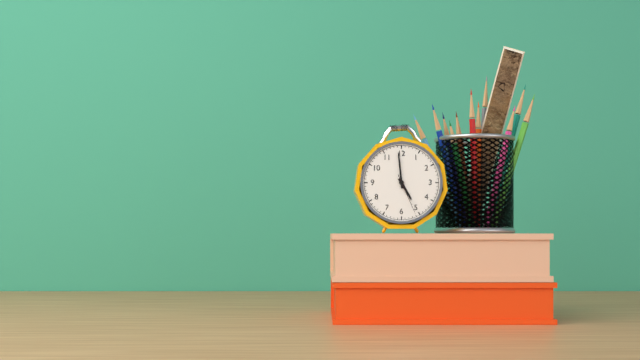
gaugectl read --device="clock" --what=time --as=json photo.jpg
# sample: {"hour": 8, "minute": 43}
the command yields {"hour": 4, "minute": 59}
